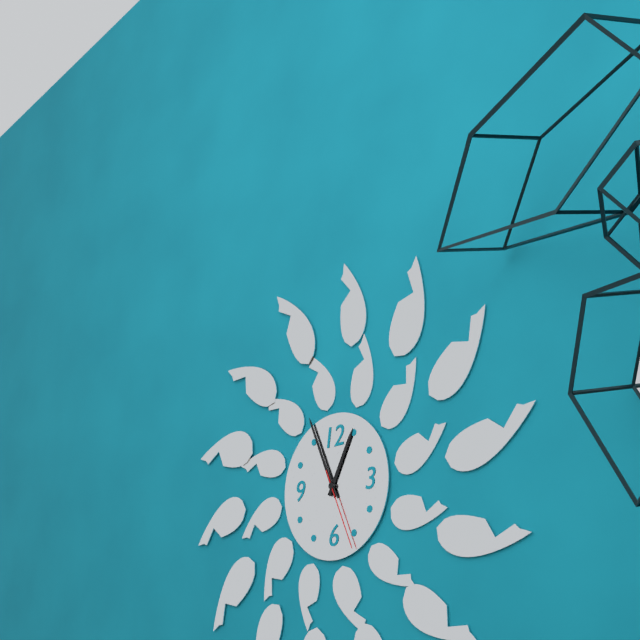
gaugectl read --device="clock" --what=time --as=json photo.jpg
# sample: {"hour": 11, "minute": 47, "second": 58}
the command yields {"hour": 12, "minute": 56, "second": 26}
